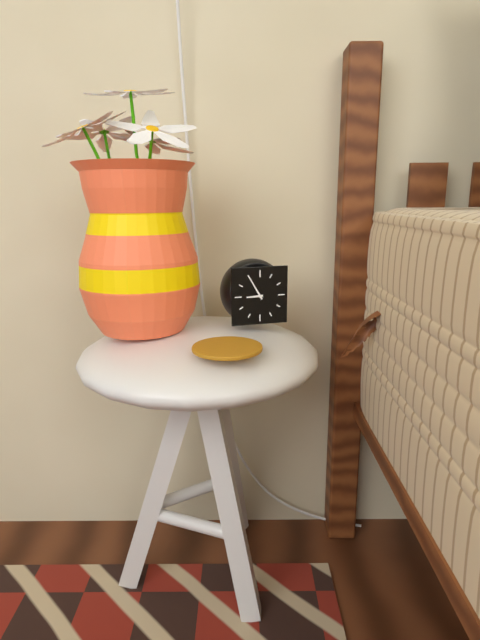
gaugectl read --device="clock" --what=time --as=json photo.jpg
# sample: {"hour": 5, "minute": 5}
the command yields {"hour": 8, "minute": 55}
